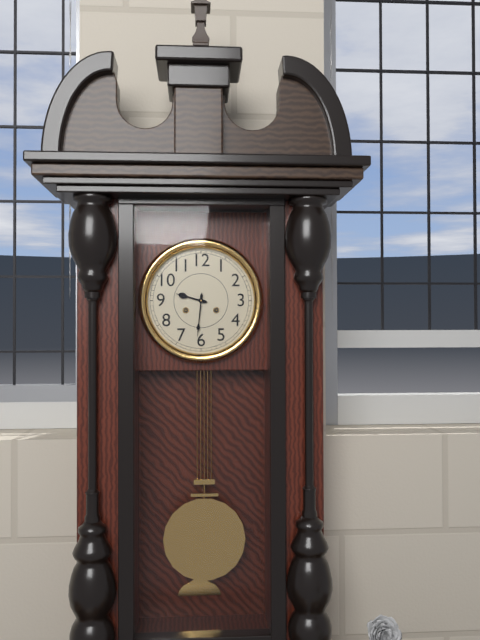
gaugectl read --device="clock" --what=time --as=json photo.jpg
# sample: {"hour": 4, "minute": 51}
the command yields {"hour": 9, "minute": 31}
